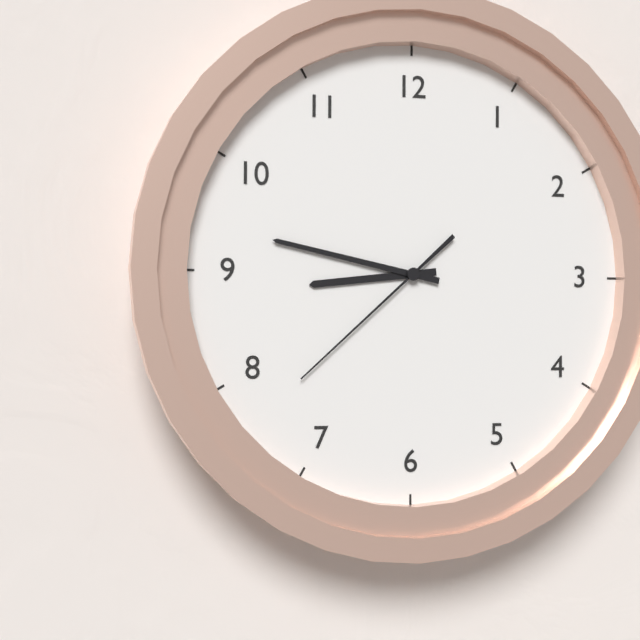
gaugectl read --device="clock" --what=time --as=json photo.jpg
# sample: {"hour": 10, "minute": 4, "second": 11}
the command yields {"hour": 8, "minute": 47, "second": 38}
